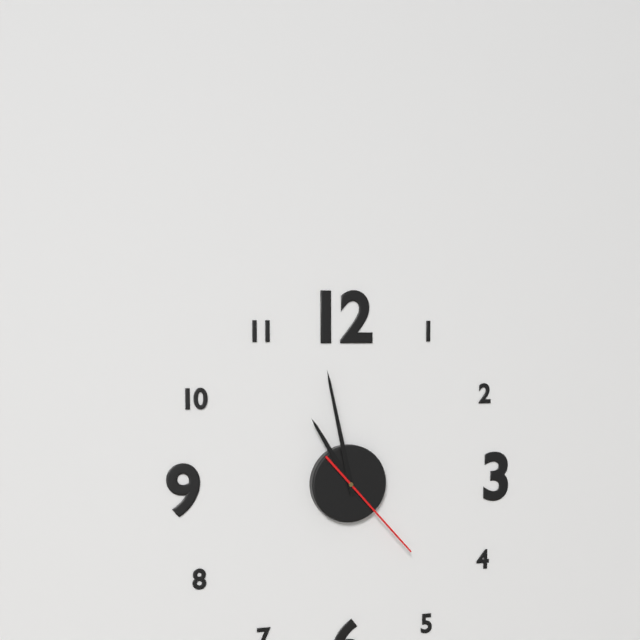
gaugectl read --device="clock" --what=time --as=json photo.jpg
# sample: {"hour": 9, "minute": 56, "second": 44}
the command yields {"hour": 10, "minute": 58, "second": 23}
